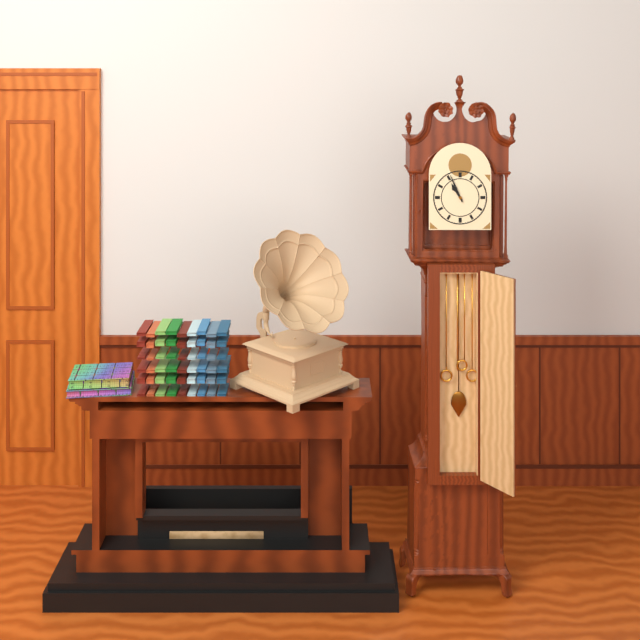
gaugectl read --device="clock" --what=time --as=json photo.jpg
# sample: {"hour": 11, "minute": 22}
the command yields {"hour": 10, "minute": 56}
